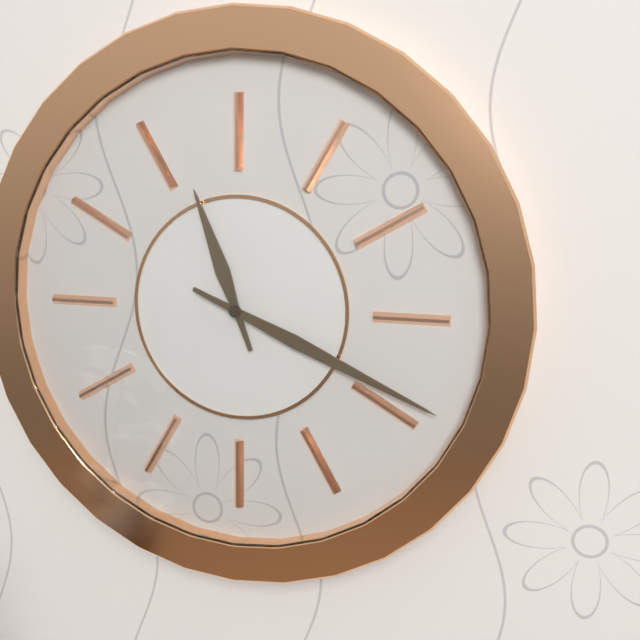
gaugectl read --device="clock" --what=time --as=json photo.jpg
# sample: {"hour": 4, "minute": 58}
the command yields {"hour": 11, "minute": 19}
